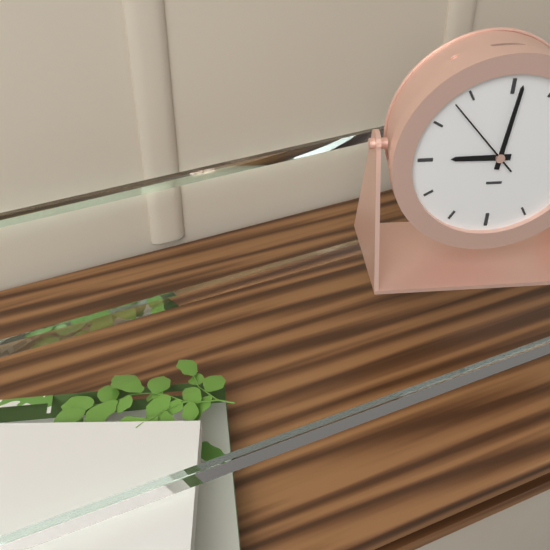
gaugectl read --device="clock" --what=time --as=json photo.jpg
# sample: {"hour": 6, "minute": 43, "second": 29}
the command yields {"hour": 9, "minute": 1, "second": 53}
